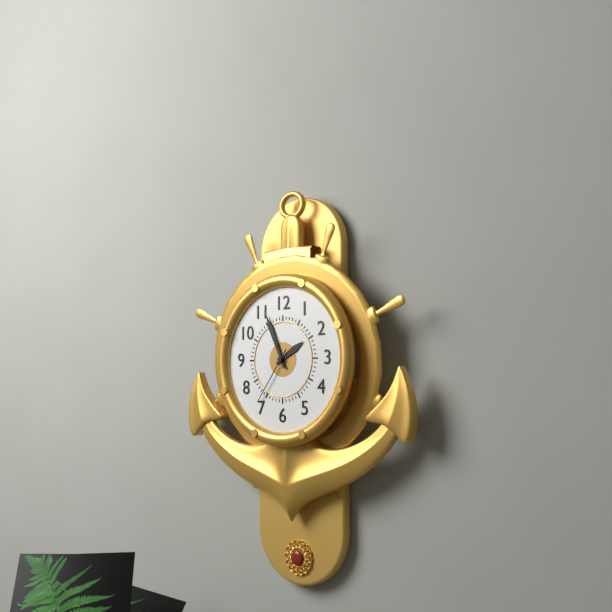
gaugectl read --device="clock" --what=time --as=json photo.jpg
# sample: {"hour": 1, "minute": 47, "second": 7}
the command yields {"hour": 1, "minute": 56, "second": 36}
